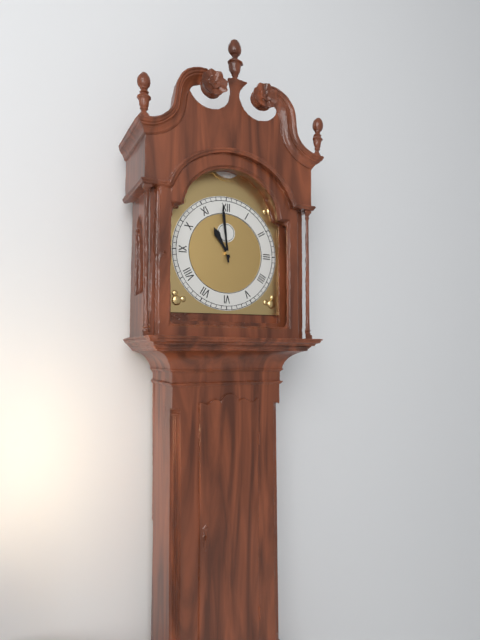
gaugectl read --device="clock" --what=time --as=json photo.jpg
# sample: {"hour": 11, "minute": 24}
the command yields {"hour": 10, "minute": 59}
